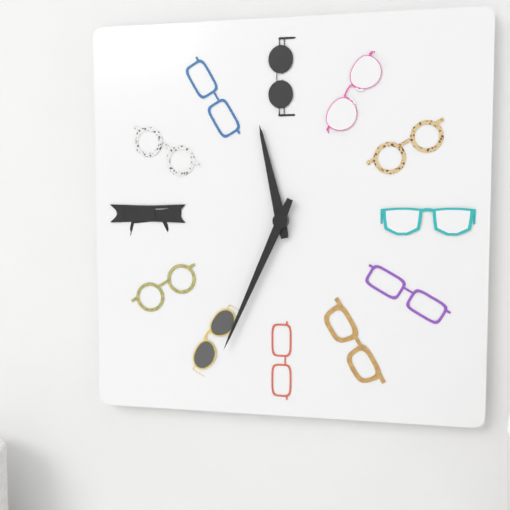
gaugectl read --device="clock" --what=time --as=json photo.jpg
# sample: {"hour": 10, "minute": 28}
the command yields {"hour": 11, "minute": 34}
